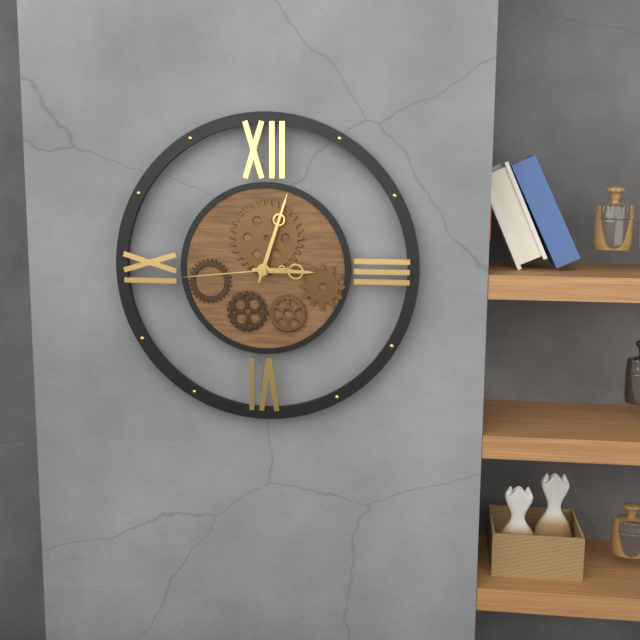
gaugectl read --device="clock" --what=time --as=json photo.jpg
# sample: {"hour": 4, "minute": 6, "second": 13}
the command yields {"hour": 3, "minute": 3, "second": 44}
